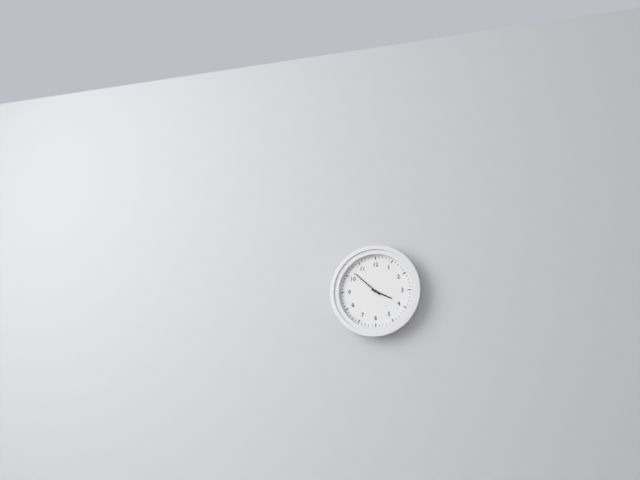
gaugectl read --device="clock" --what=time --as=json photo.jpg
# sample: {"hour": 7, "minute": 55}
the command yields {"hour": 3, "minute": 52}
